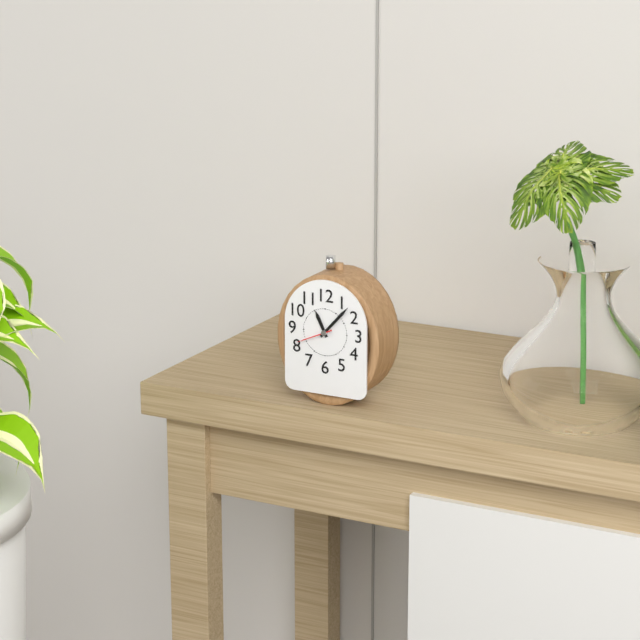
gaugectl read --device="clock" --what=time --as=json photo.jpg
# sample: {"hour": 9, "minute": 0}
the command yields {"hour": 11, "minute": 7}
